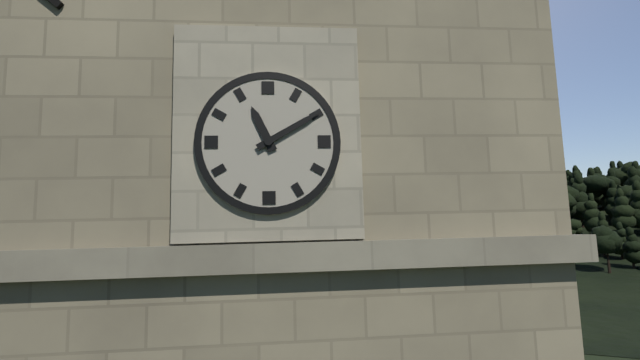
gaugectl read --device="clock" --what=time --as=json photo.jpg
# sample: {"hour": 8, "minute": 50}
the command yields {"hour": 11, "minute": 10}
